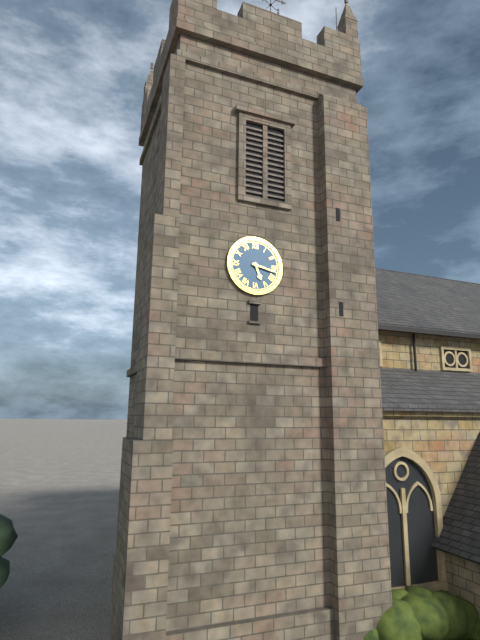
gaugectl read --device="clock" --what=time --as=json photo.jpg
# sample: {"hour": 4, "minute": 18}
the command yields {"hour": 5, "minute": 17}
